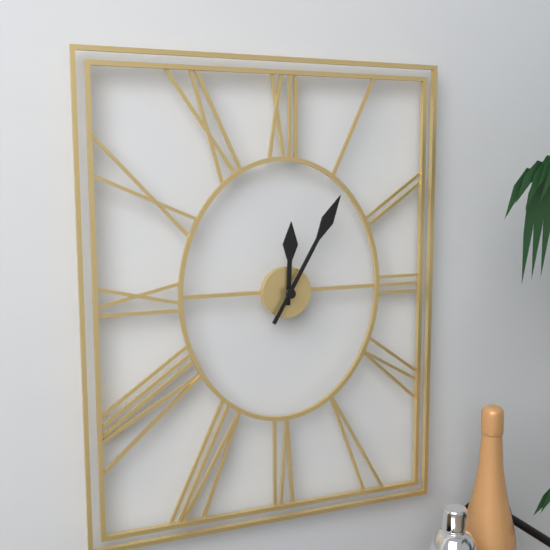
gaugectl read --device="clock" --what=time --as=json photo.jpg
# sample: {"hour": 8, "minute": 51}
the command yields {"hour": 12, "minute": 5}
